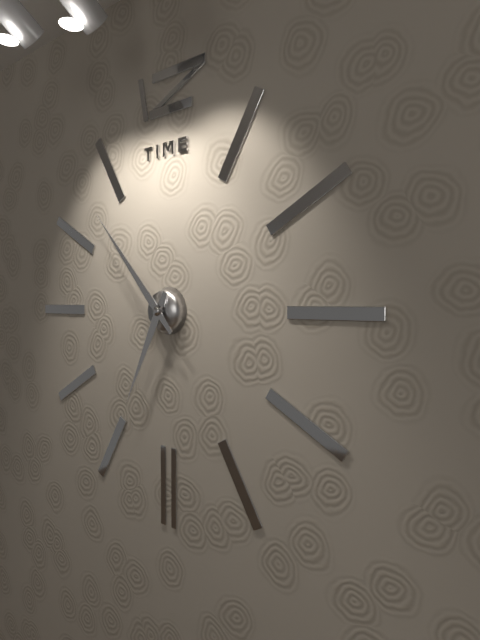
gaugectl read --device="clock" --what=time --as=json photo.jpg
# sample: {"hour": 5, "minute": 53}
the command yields {"hour": 6, "minute": 53}
